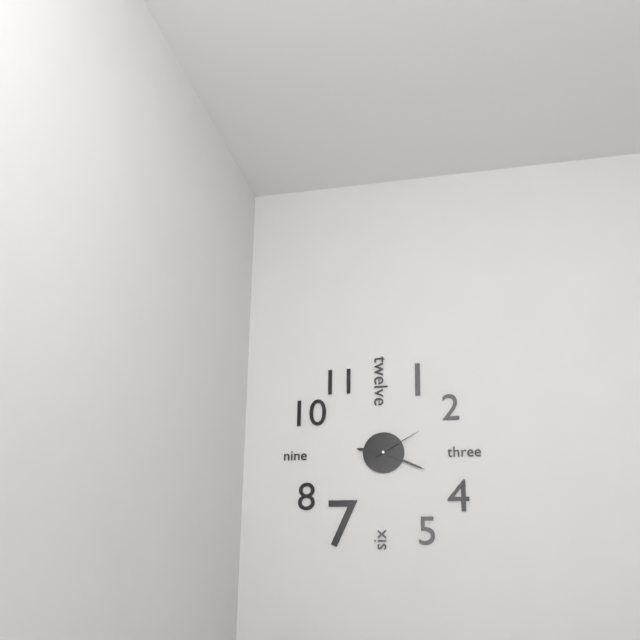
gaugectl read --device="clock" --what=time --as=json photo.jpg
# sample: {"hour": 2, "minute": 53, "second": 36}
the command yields {"hour": 9, "minute": 19, "second": 10}
